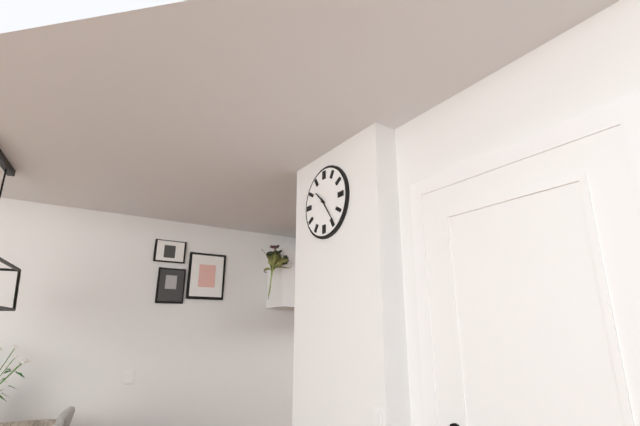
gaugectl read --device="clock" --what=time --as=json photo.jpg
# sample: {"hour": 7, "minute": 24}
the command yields {"hour": 10, "minute": 24}
